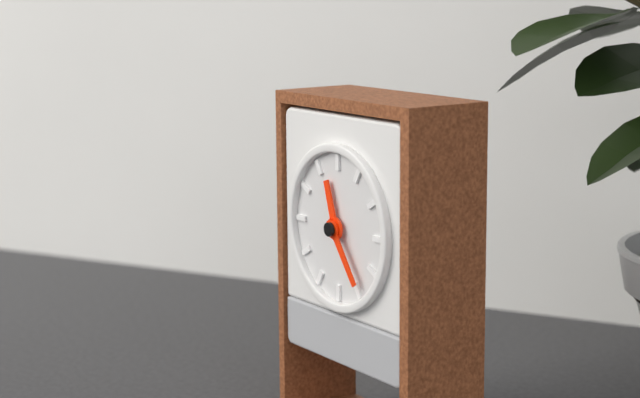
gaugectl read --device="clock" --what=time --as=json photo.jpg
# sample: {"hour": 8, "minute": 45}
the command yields {"hour": 11, "minute": 24}
